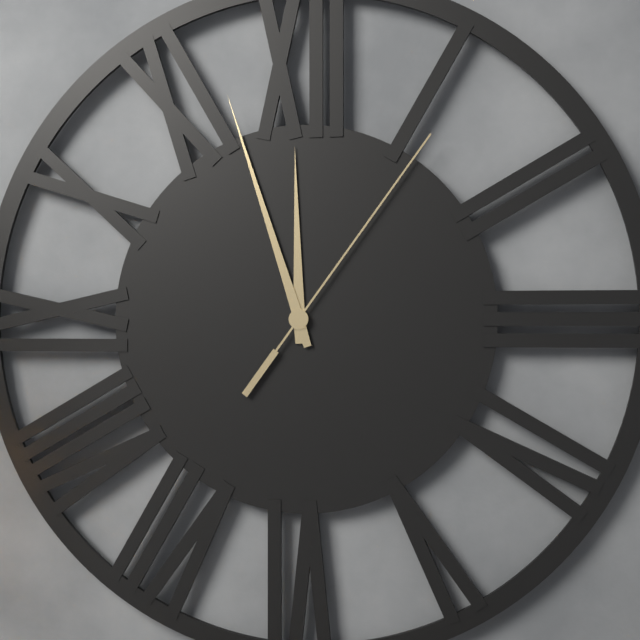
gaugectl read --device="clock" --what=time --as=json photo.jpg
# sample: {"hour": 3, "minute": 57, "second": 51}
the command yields {"hour": 11, "minute": 57, "second": 6}
